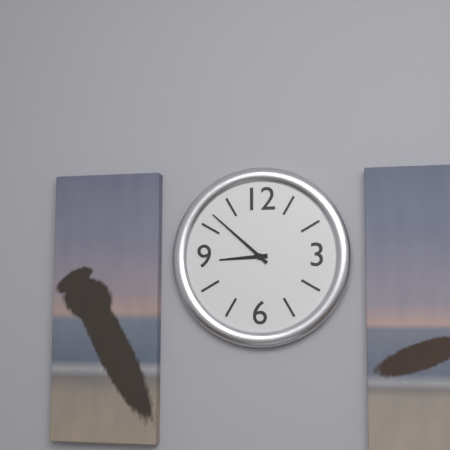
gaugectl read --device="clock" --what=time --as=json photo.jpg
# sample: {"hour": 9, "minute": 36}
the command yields {"hour": 8, "minute": 52}
